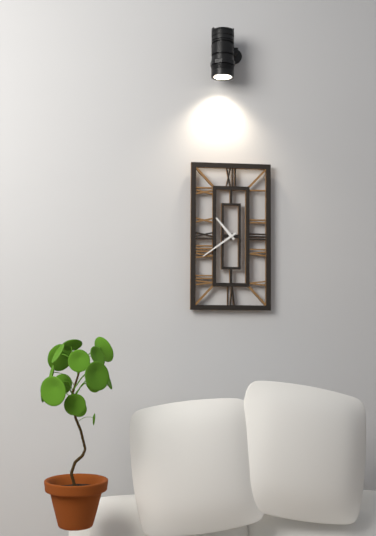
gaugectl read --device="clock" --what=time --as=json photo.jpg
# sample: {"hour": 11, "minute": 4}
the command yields {"hour": 10, "minute": 39}
